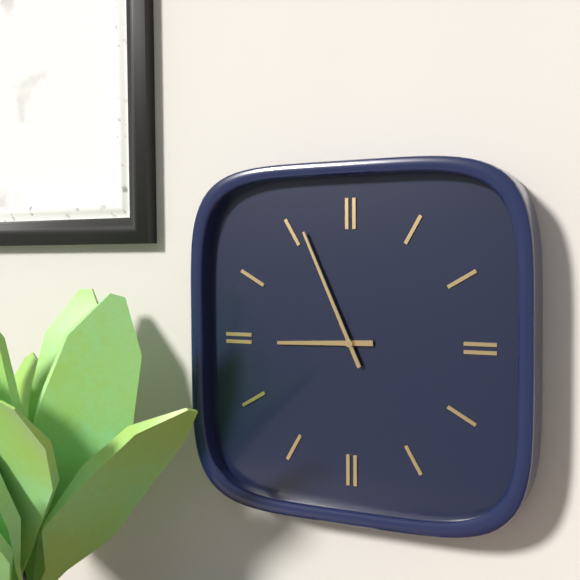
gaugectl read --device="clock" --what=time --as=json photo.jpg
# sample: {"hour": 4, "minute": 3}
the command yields {"hour": 8, "minute": 56}
